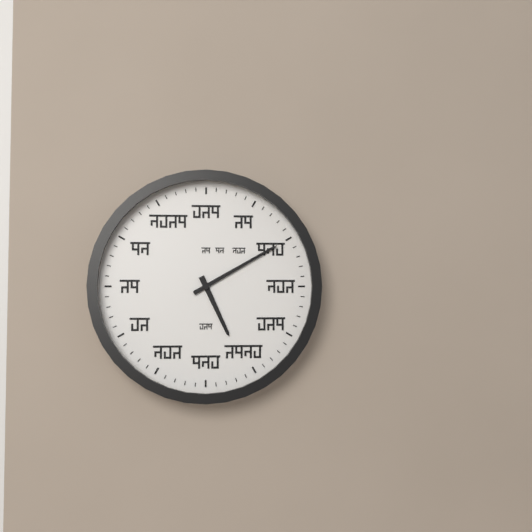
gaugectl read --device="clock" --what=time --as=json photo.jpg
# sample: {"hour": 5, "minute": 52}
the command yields {"hour": 5, "minute": 10}
